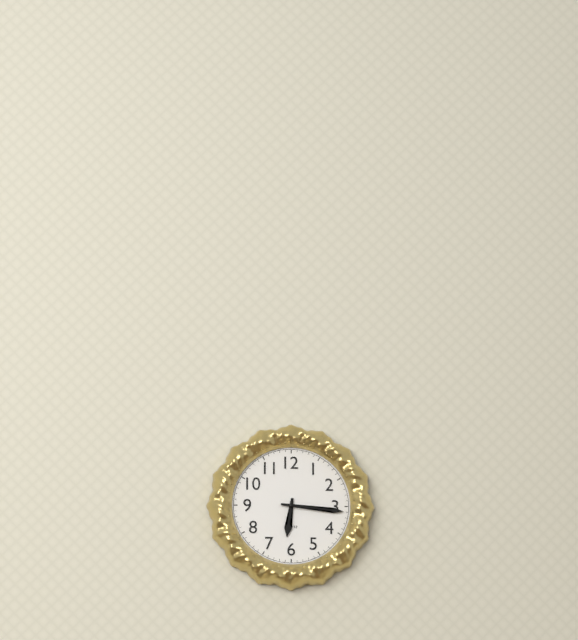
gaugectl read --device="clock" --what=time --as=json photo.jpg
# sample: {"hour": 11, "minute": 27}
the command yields {"hour": 6, "minute": 16}
